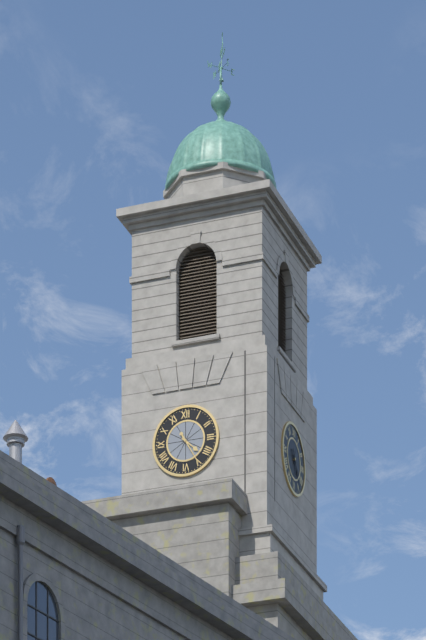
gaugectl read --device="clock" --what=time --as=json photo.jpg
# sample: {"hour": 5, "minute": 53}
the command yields {"hour": 4, "minute": 25}
